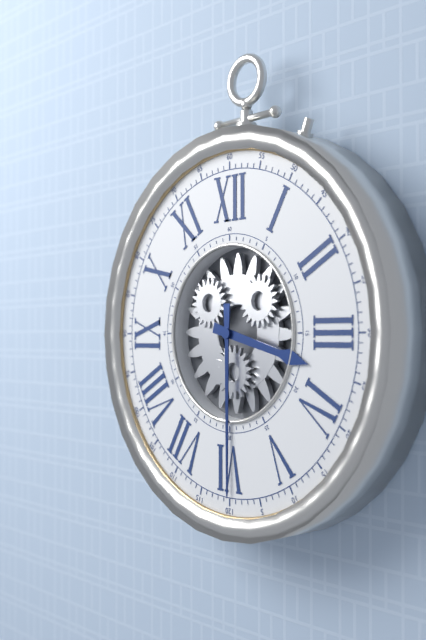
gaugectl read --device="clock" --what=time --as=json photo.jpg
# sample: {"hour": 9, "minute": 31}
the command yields {"hour": 3, "minute": 30}
